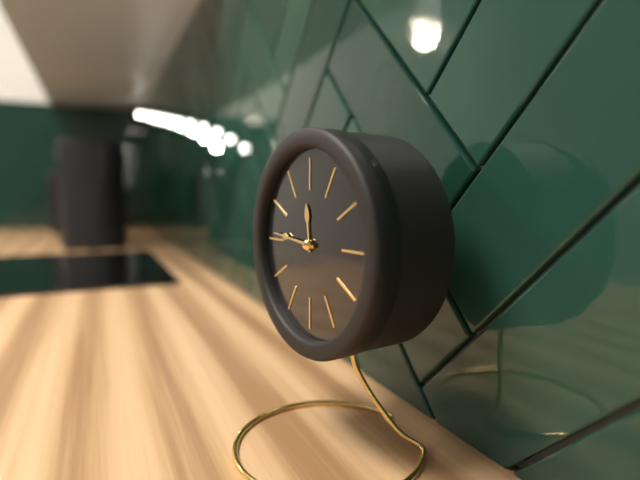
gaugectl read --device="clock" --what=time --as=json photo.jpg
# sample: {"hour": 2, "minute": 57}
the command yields {"hour": 11, "minute": 46}
